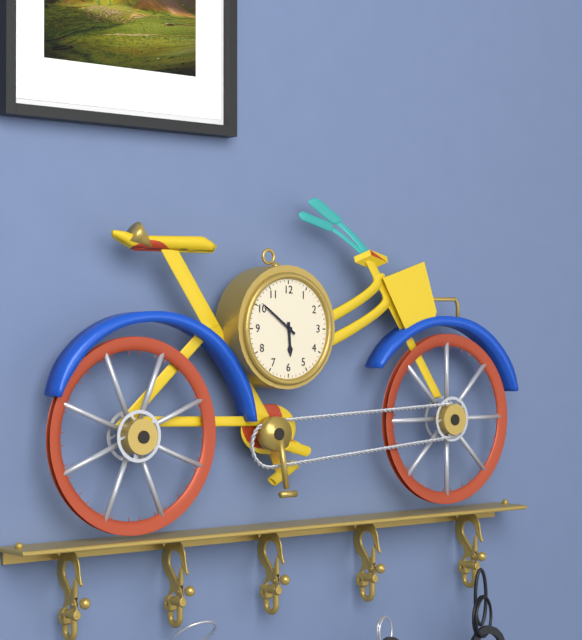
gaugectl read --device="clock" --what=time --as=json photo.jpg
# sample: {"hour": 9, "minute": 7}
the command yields {"hour": 5, "minute": 51}
